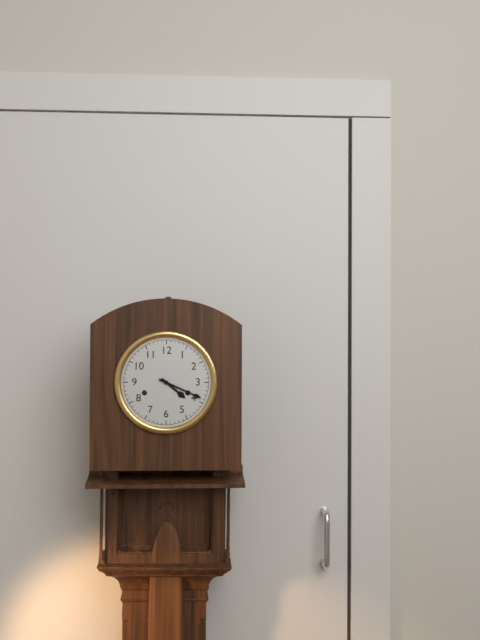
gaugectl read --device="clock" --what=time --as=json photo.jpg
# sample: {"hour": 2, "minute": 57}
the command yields {"hour": 4, "minute": 19}
